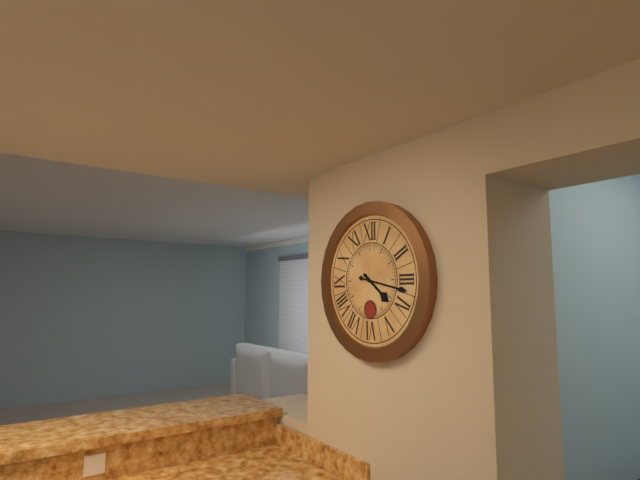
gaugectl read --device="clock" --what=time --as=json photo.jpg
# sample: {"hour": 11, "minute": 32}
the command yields {"hour": 4, "minute": 17}
